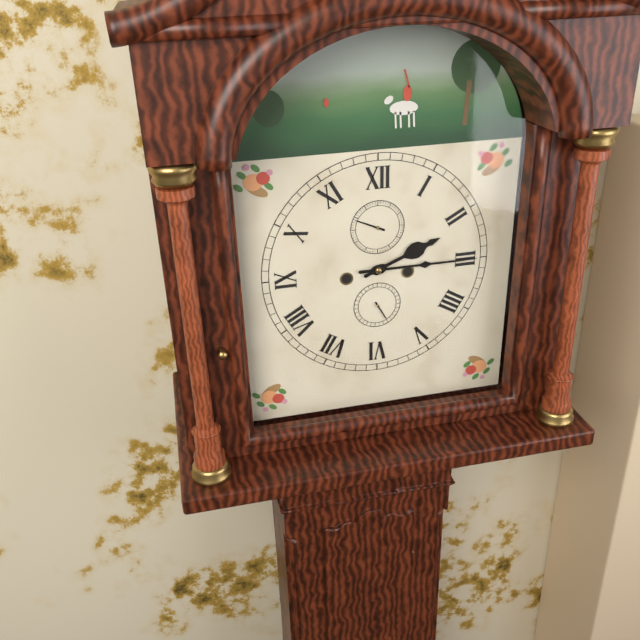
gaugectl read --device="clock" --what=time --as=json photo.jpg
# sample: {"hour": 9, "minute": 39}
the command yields {"hour": 2, "minute": 15}
